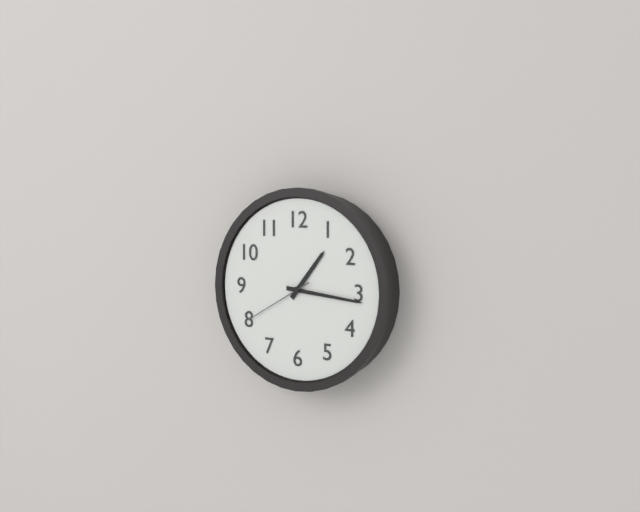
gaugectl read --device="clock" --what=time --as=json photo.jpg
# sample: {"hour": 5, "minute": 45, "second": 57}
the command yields {"hour": 1, "minute": 16, "second": 40}
